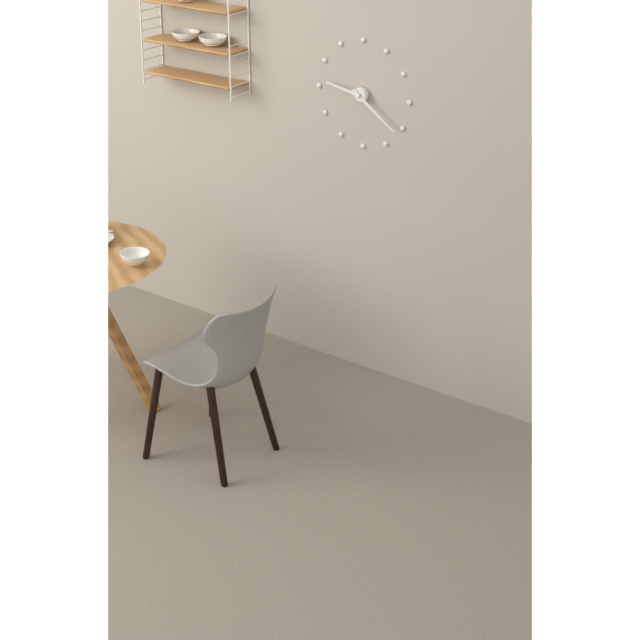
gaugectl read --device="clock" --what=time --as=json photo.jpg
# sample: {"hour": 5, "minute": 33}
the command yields {"hour": 9, "minute": 21}
